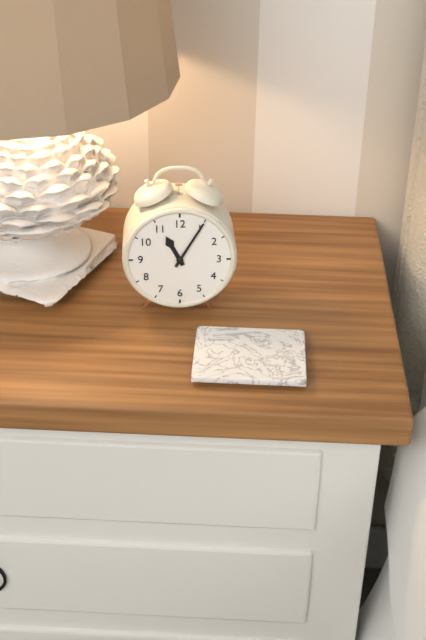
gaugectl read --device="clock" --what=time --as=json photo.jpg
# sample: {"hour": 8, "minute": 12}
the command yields {"hour": 11, "minute": 5}
